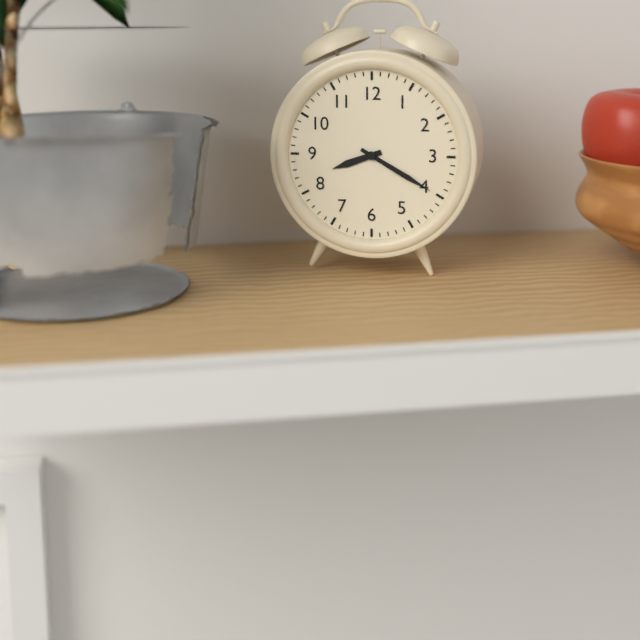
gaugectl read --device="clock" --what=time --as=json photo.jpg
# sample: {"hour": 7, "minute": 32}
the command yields {"hour": 8, "minute": 20}
